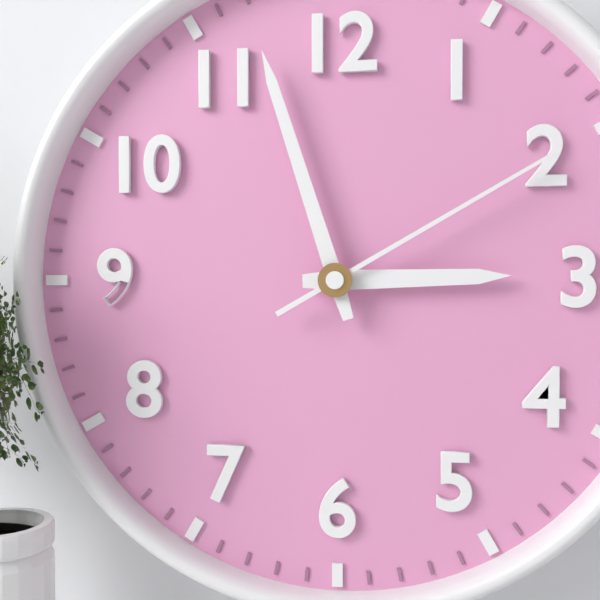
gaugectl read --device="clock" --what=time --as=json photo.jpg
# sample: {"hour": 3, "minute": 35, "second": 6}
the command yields {"hour": 2, "minute": 57, "second": 10}
